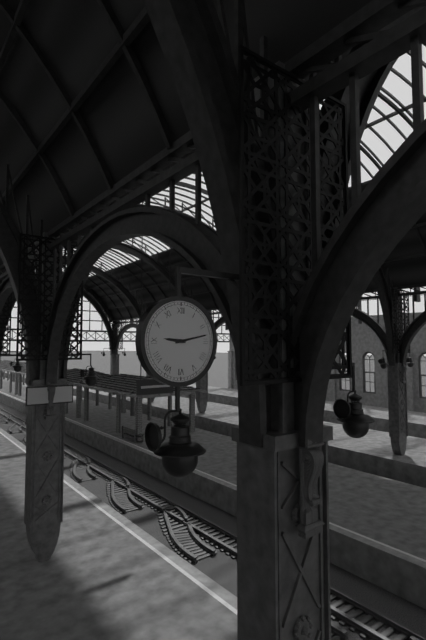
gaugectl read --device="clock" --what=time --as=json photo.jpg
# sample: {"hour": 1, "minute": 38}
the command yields {"hour": 9, "minute": 13}
